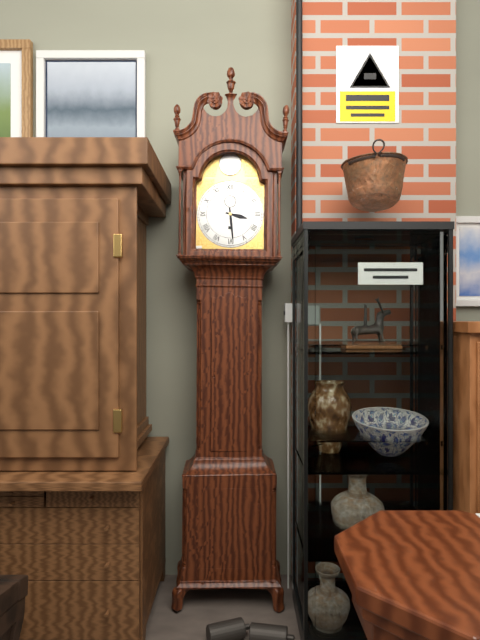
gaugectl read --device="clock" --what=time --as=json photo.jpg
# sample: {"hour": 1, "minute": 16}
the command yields {"hour": 3, "minute": 29}
